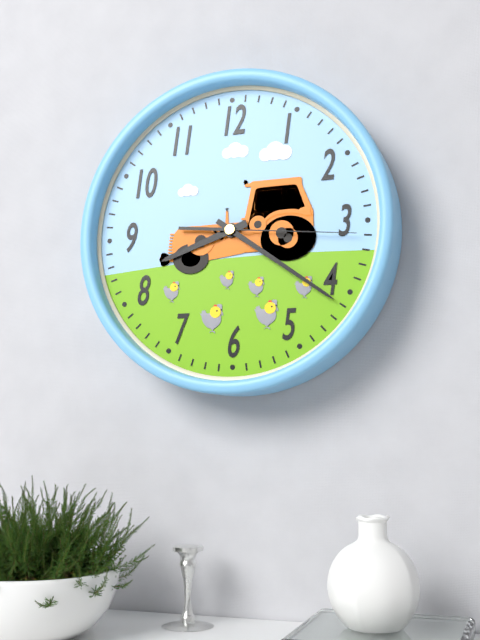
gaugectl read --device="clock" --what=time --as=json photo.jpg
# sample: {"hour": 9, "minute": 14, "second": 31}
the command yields {"hour": 8, "minute": 21, "second": 16}
